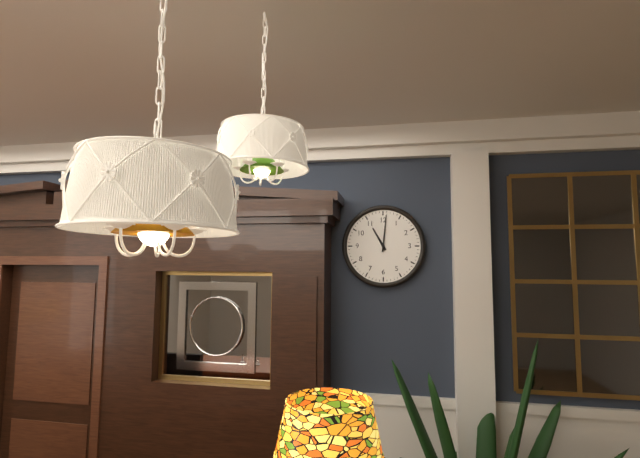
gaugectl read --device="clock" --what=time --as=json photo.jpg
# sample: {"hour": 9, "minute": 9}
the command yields {"hour": 11, "minute": 1}
